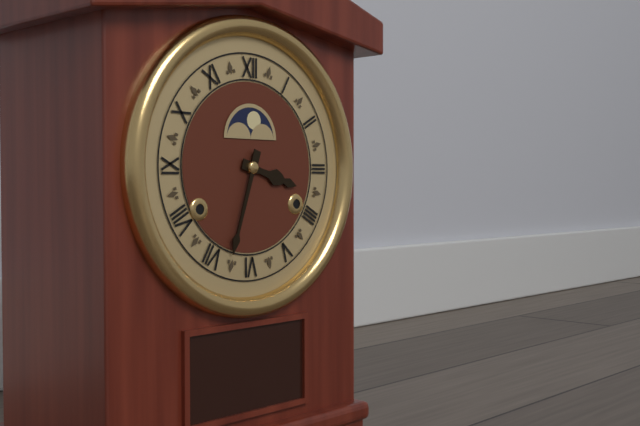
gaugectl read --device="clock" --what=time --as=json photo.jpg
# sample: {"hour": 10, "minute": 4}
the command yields {"hour": 3, "minute": 33}
